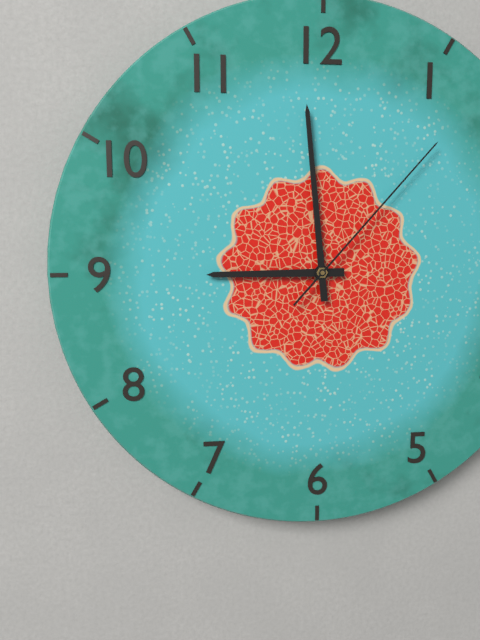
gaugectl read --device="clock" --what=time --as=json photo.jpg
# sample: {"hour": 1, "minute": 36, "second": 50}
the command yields {"hour": 8, "minute": 59, "second": 7}
